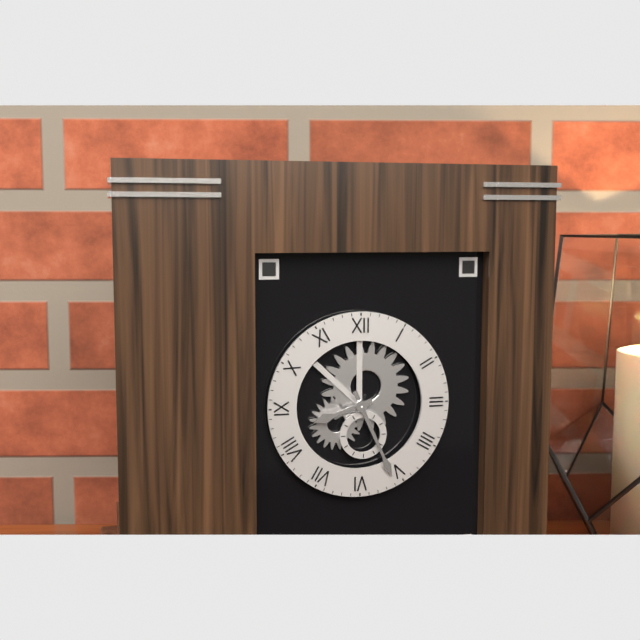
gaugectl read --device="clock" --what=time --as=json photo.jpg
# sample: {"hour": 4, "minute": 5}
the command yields {"hour": 8, "minute": 26}
